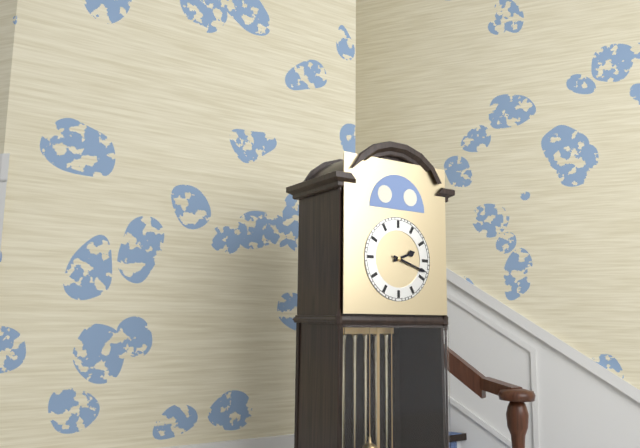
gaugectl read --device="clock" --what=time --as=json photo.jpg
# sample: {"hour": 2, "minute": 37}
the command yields {"hour": 2, "minute": 18}
